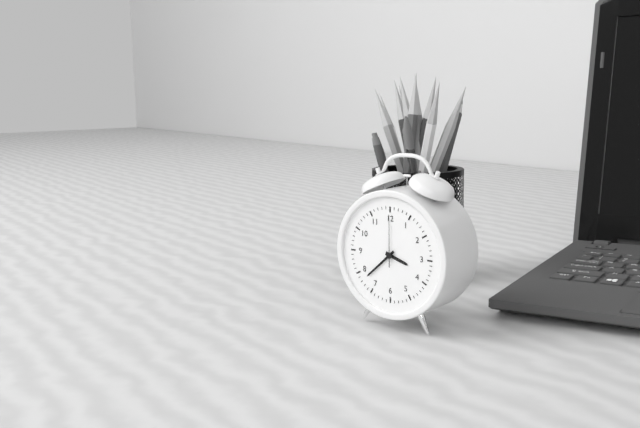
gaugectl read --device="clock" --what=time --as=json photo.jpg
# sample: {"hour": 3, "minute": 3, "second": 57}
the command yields {"hour": 3, "minute": 38, "second": 0}
